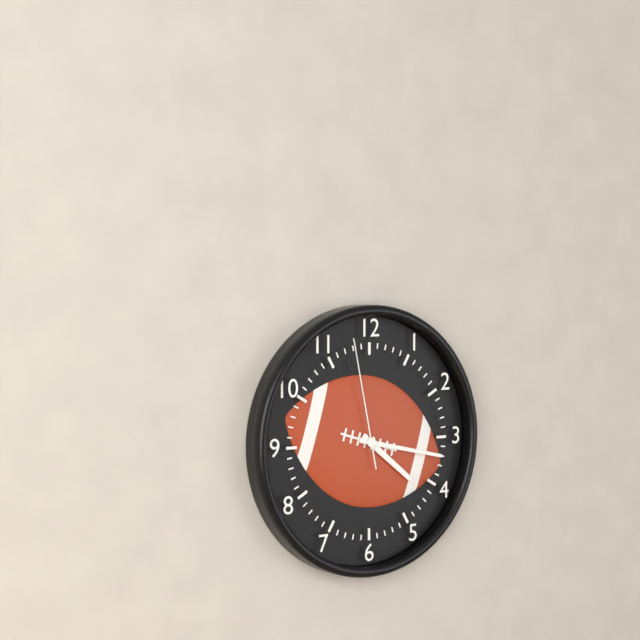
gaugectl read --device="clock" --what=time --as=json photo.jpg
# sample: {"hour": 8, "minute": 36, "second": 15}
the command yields {"hour": 4, "minute": 17, "second": 58}
